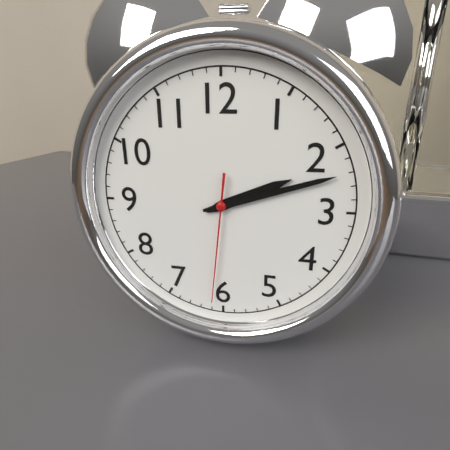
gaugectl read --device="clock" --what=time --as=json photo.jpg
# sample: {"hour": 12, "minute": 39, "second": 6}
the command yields {"hour": 2, "minute": 12, "second": 31}
